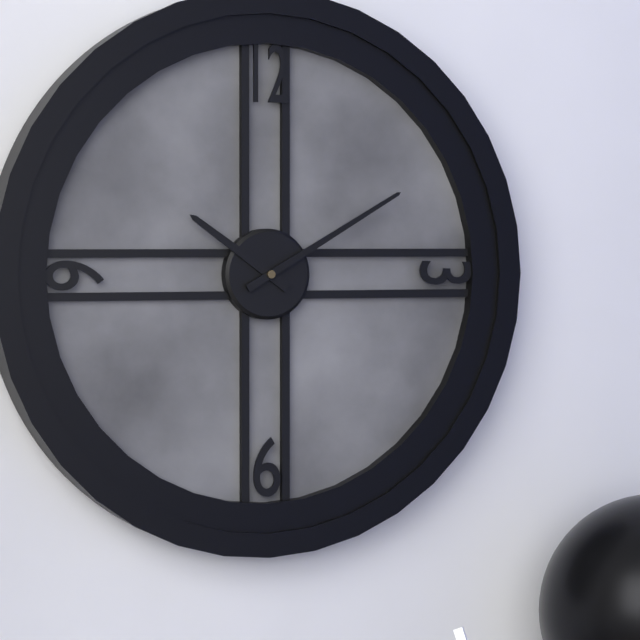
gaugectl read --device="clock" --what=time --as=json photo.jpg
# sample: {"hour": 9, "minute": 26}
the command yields {"hour": 10, "minute": 10}
